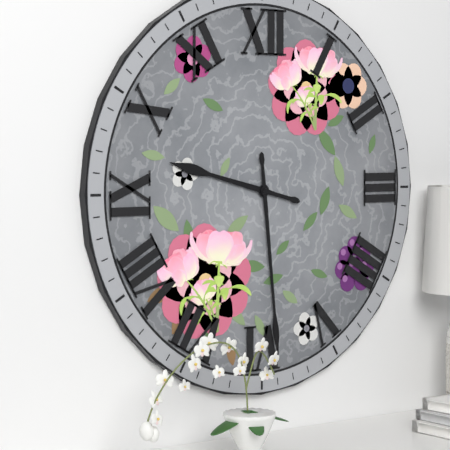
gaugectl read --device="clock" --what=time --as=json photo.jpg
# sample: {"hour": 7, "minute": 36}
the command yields {"hour": 9, "minute": 29}
